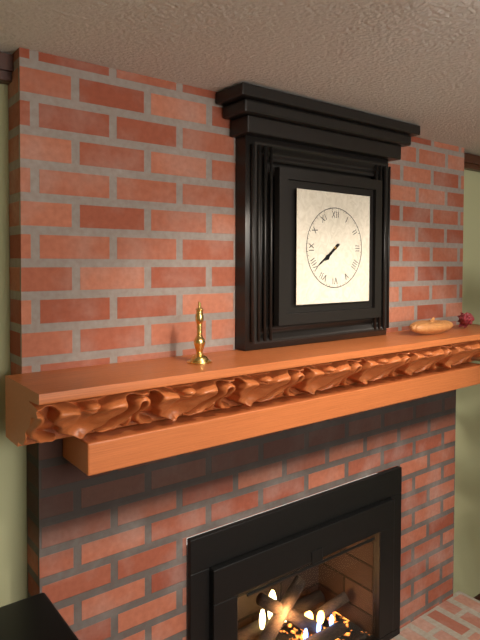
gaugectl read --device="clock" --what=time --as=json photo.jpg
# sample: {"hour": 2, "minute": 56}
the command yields {"hour": 7, "minute": 39}
